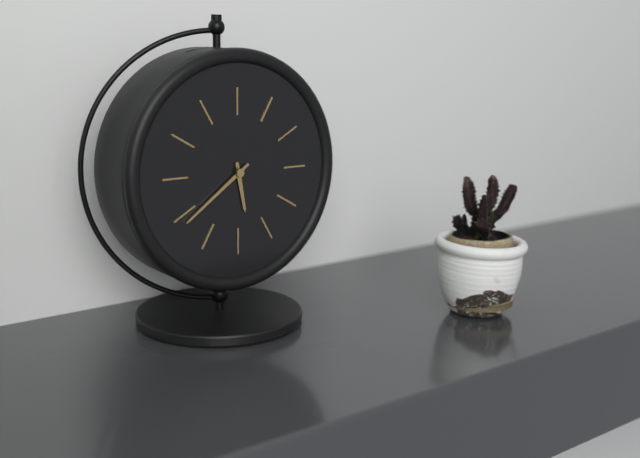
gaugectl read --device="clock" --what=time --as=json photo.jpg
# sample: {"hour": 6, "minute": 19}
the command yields {"hour": 5, "minute": 39}
